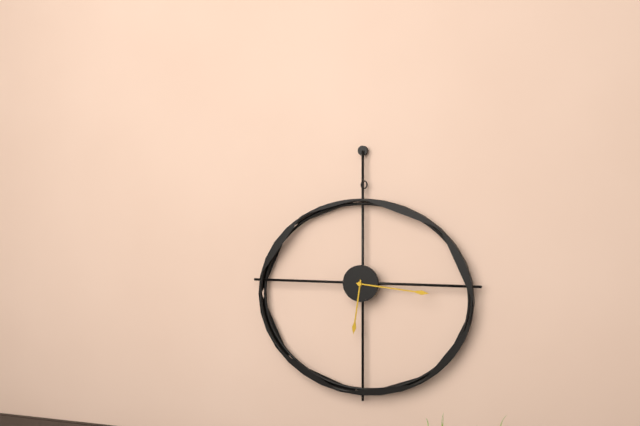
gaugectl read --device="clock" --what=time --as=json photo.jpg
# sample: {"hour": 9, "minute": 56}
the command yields {"hour": 6, "minute": 16}
